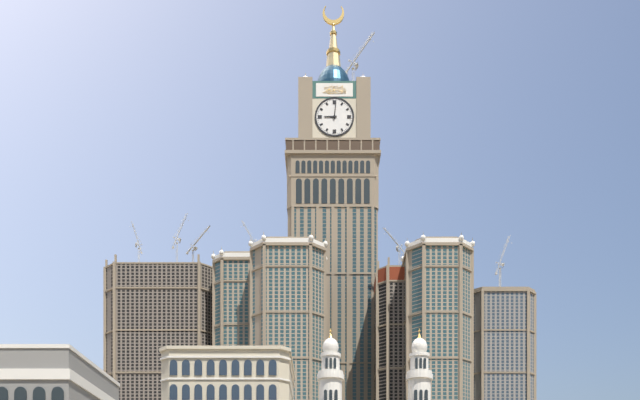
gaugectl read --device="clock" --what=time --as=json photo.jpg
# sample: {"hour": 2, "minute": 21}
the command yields {"hour": 9, "minute": 1}
